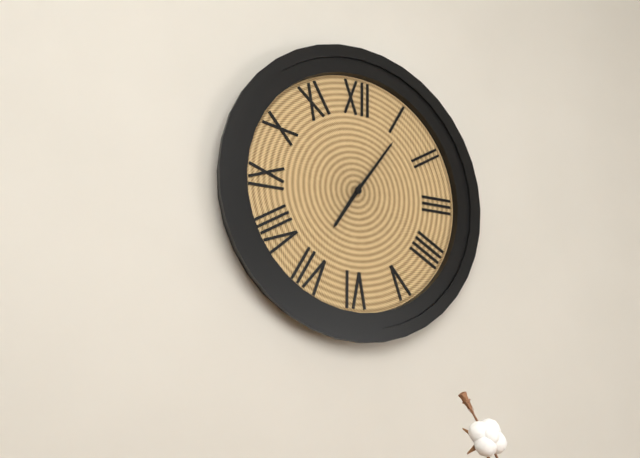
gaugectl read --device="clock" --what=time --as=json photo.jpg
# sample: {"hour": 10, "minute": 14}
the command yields {"hour": 7, "minute": 6}
